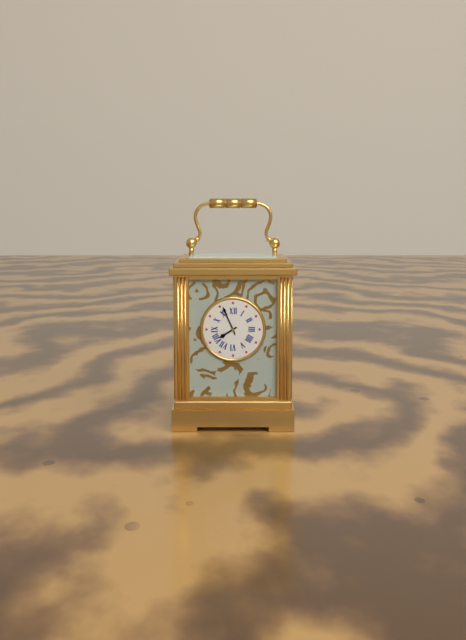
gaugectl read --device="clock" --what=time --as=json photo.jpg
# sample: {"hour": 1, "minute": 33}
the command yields {"hour": 7, "minute": 56}
